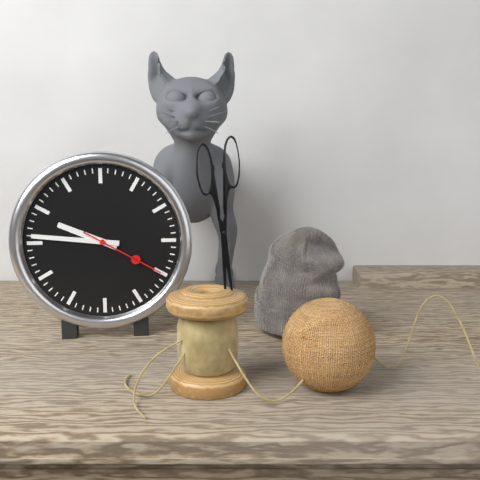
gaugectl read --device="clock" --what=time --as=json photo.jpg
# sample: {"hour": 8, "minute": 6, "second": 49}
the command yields {"hour": 9, "minute": 46, "second": 20}
